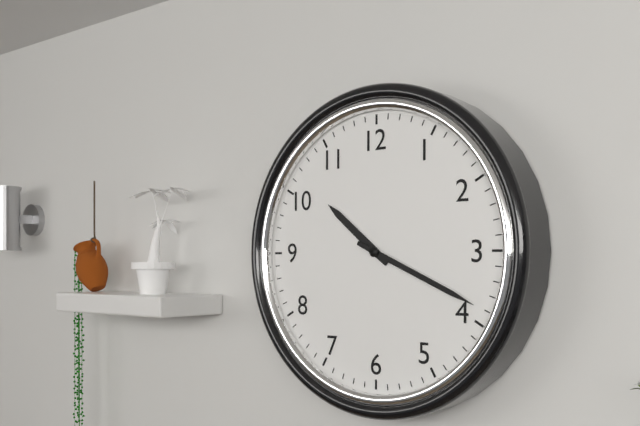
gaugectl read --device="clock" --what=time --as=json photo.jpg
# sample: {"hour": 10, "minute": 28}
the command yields {"hour": 10, "minute": 19}
